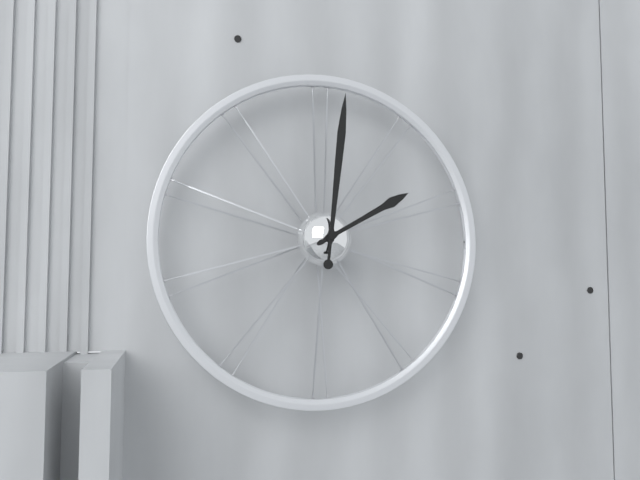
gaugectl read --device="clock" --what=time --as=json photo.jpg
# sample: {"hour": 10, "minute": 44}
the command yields {"hour": 2, "minute": 1}
